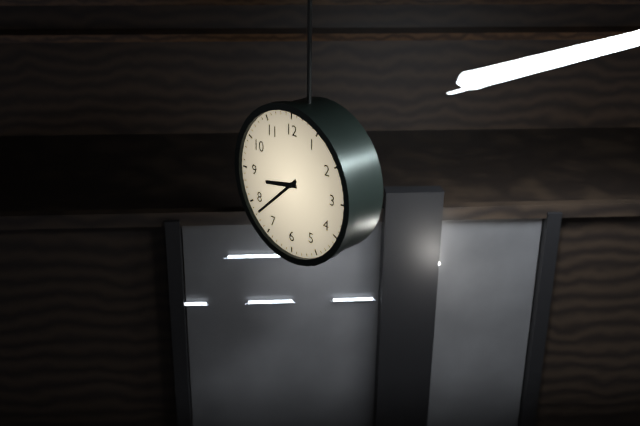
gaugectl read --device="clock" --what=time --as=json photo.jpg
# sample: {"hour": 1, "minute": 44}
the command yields {"hour": 8, "minute": 38}
